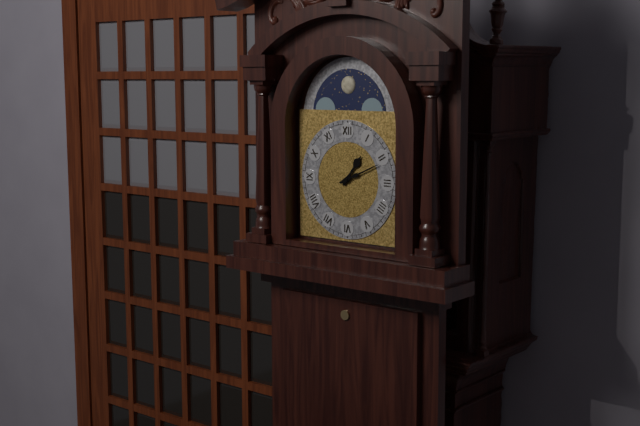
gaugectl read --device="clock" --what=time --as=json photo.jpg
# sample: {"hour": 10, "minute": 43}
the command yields {"hour": 1, "minute": 11}
